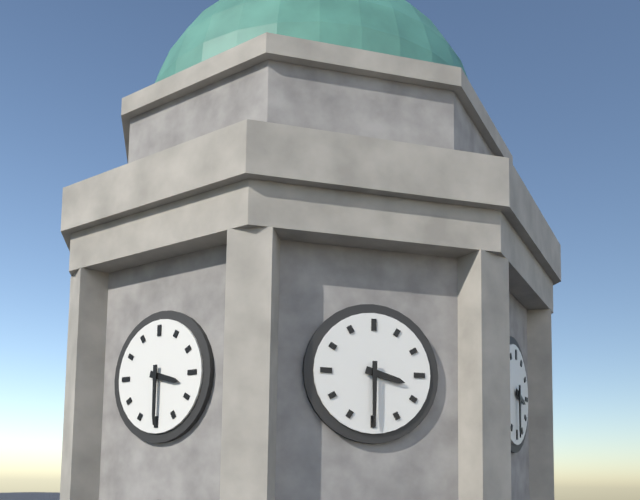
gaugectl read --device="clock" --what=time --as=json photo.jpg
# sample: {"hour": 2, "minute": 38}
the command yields {"hour": 3, "minute": 30}
